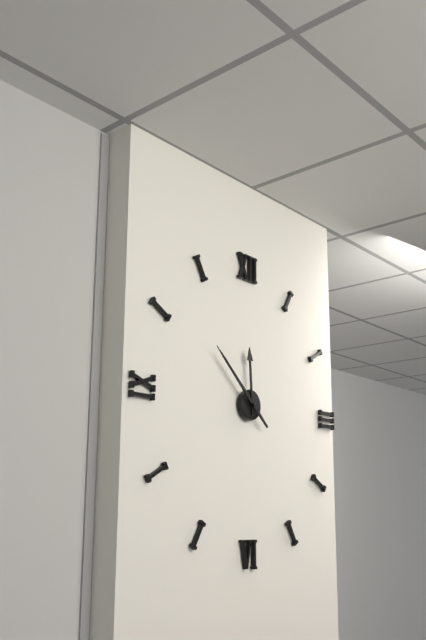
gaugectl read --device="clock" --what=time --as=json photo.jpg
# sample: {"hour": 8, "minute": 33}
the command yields {"hour": 11, "minute": 52}
